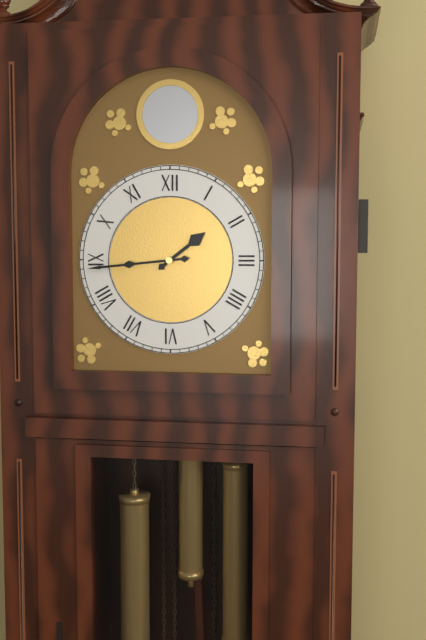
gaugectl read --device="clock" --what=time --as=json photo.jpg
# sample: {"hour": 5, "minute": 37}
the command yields {"hour": 1, "minute": 44}
